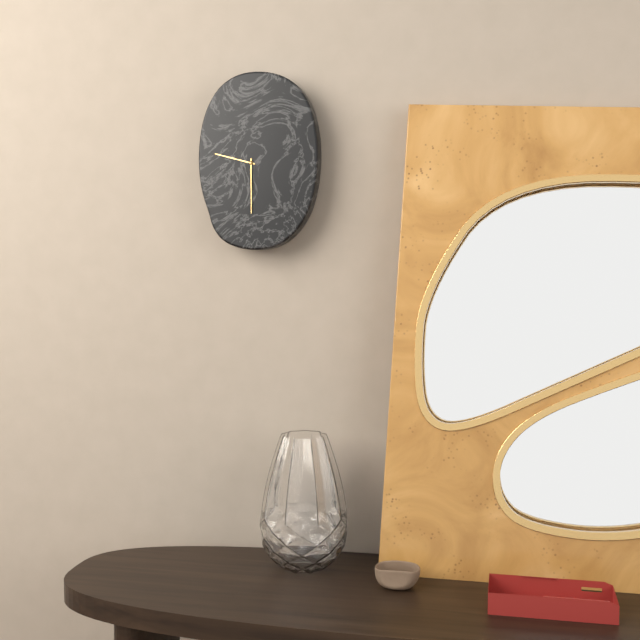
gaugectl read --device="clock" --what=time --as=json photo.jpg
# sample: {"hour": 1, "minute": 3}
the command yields {"hour": 9, "minute": 30}
